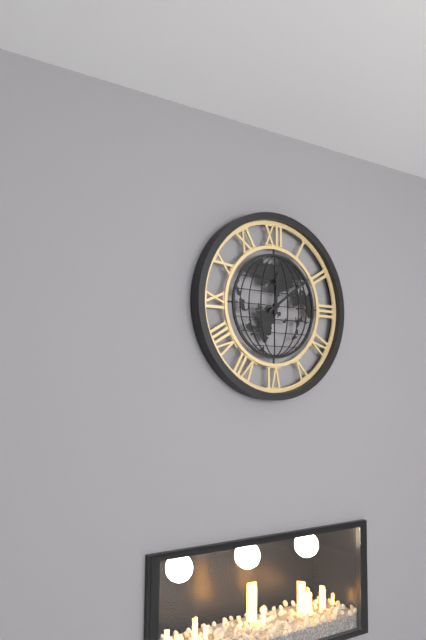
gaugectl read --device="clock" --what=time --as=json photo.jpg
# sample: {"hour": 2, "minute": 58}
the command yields {"hour": 12, "minute": 9}
